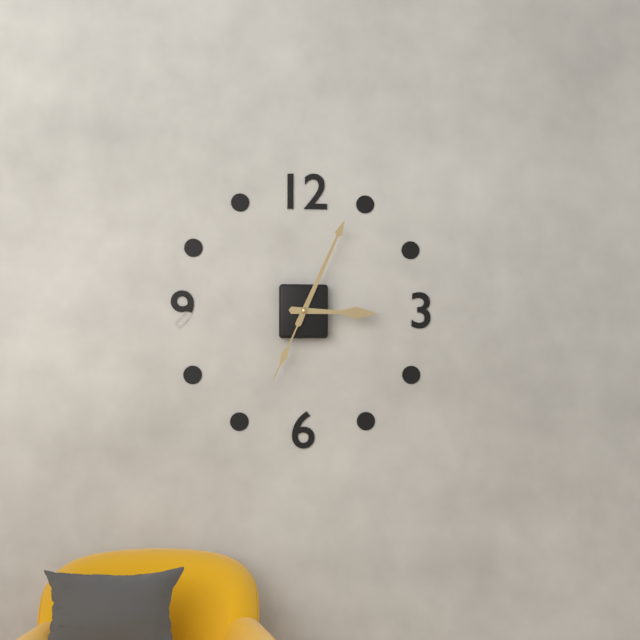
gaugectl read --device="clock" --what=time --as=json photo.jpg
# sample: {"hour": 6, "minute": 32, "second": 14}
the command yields {"hour": 3, "minute": 4, "second": 34}
